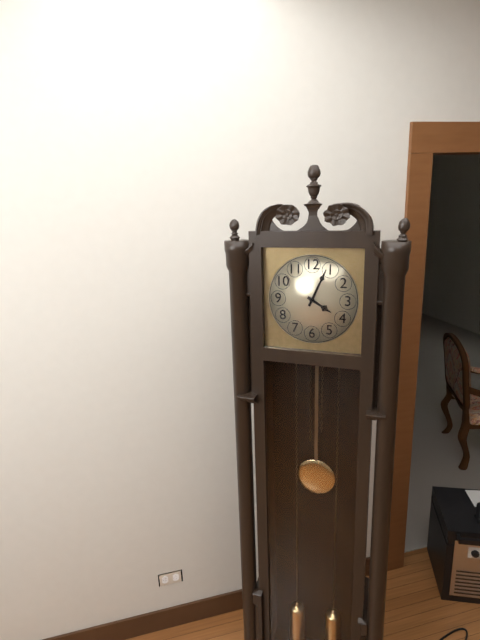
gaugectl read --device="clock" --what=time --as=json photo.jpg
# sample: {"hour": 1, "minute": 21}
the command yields {"hour": 4, "minute": 4}
